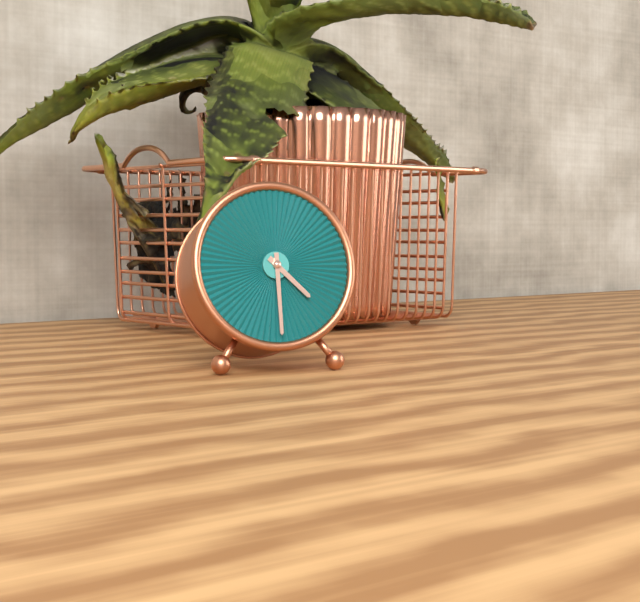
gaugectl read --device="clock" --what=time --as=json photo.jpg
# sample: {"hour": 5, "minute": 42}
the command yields {"hour": 4, "minute": 30}
